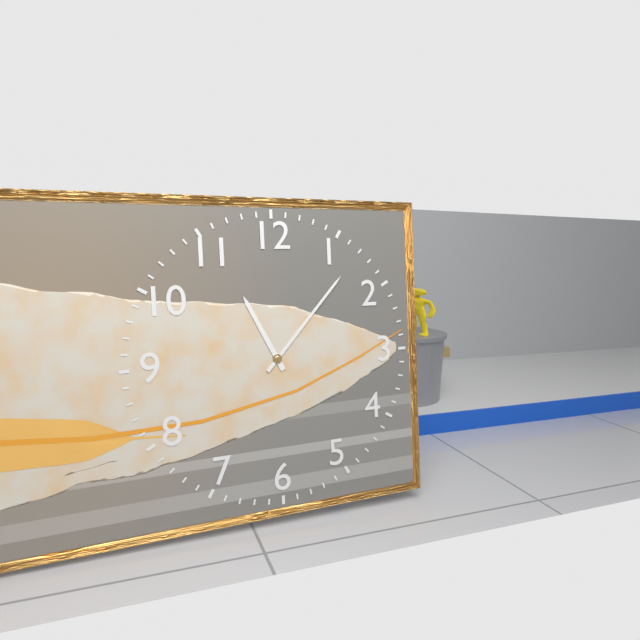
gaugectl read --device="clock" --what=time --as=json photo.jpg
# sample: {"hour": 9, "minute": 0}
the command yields {"hour": 11, "minute": 7}
